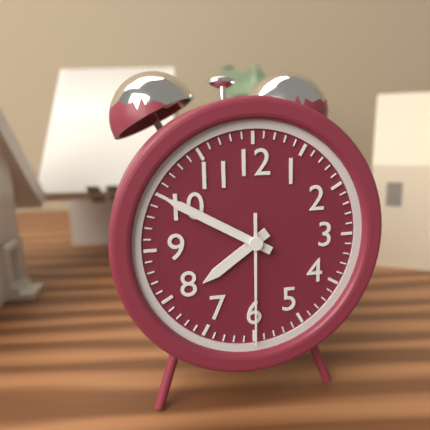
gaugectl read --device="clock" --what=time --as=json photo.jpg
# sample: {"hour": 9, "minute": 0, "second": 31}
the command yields {"hour": 7, "minute": 50, "second": 30}
